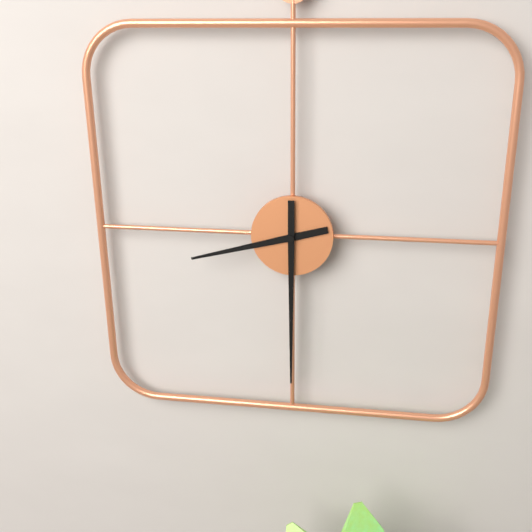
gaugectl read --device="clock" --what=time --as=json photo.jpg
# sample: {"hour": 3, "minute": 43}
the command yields {"hour": 8, "minute": 30}
